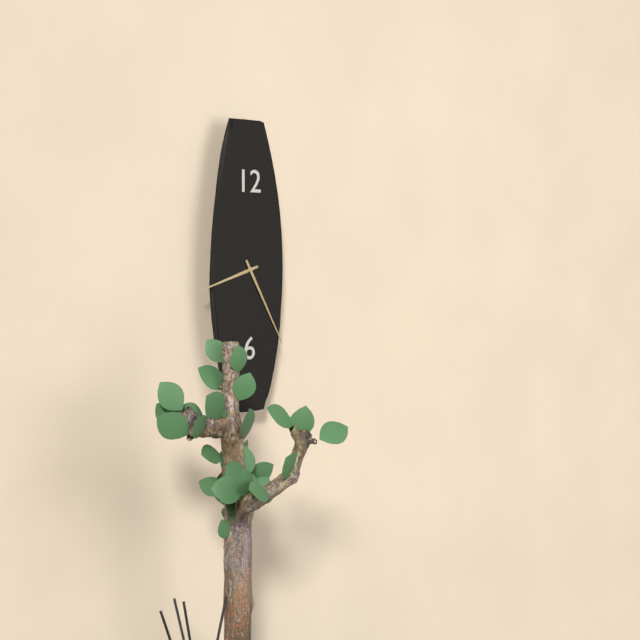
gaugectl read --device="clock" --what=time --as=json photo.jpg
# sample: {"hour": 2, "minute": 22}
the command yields {"hour": 8, "minute": 25}
